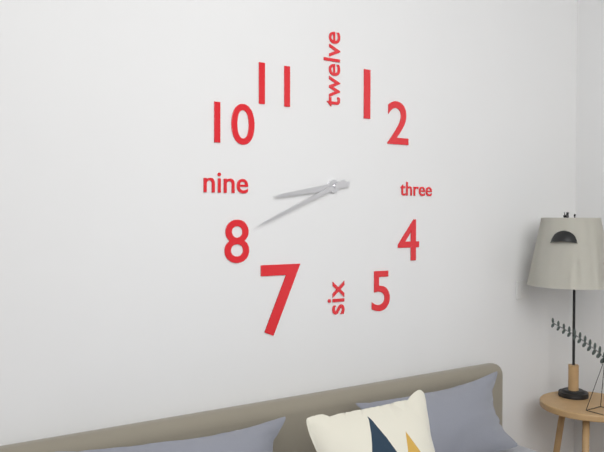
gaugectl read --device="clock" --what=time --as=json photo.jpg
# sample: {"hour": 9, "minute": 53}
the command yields {"hour": 8, "minute": 41}
